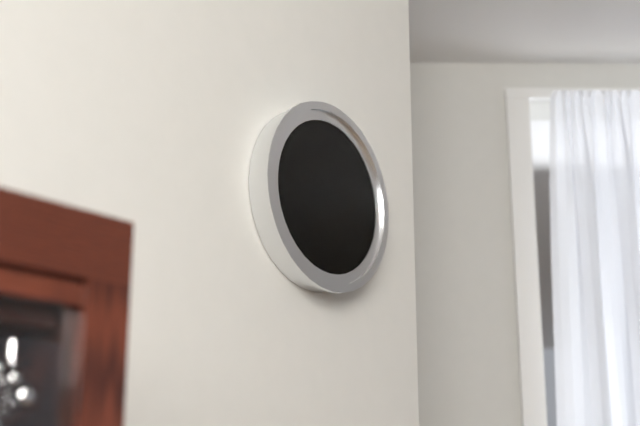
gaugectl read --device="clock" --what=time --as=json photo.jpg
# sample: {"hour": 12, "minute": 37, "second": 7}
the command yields {"hour": 1, "minute": 32, "second": 48}
